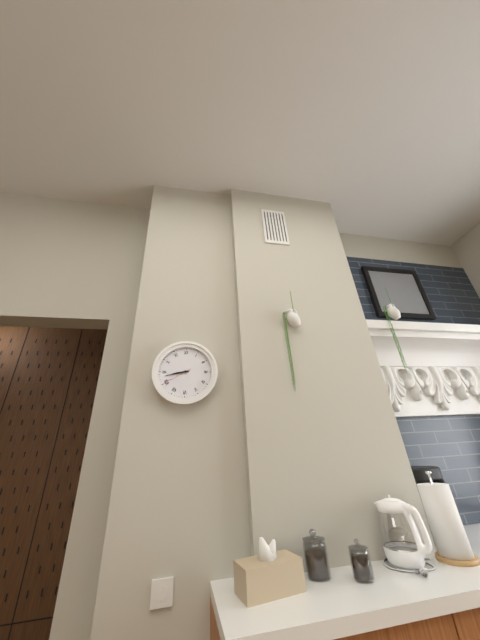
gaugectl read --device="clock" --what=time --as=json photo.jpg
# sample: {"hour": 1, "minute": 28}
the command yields {"hour": 8, "minute": 43}
